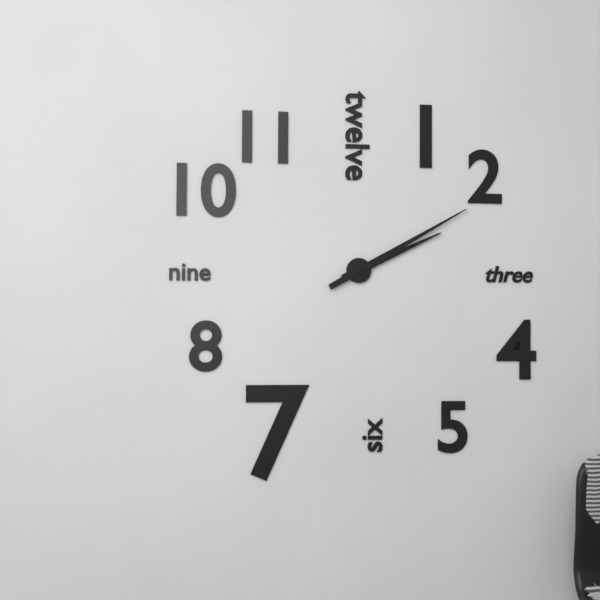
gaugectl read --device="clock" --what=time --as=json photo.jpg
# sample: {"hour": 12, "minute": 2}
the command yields {"hour": 2, "minute": 10}
